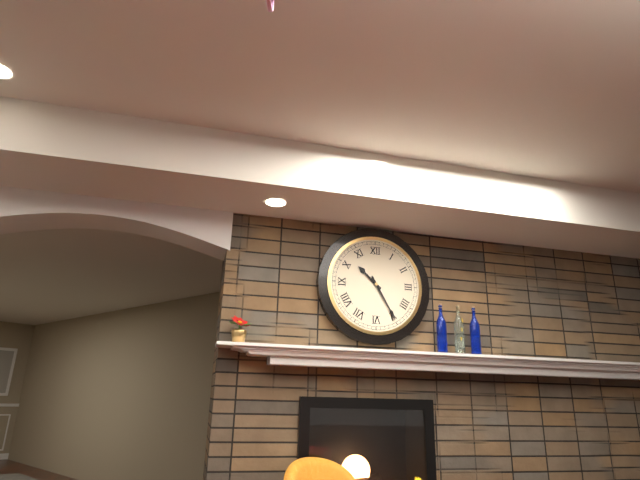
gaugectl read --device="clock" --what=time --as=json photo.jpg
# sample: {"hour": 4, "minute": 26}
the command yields {"hour": 10, "minute": 25}
